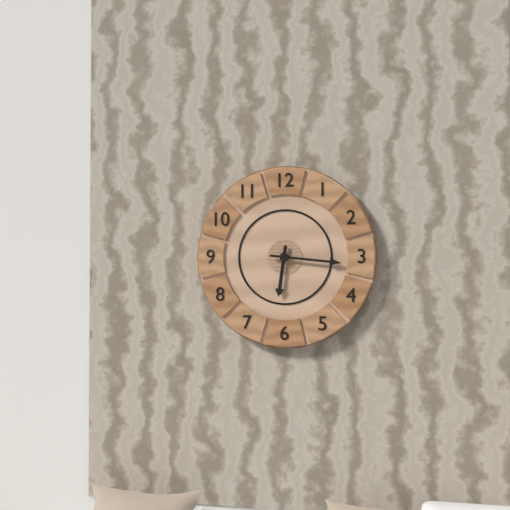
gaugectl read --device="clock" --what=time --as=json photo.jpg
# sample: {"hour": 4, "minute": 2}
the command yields {"hour": 6, "minute": 16}
